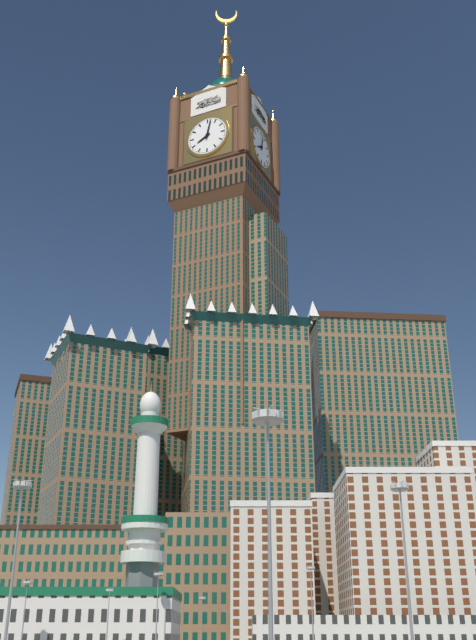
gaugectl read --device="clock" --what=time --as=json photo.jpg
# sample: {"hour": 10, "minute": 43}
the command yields {"hour": 8, "minute": 2}
